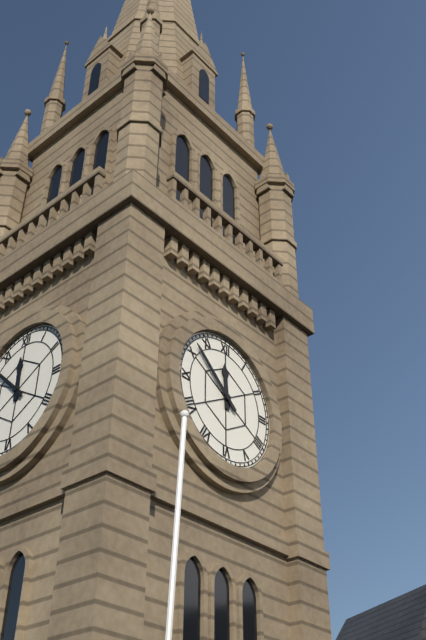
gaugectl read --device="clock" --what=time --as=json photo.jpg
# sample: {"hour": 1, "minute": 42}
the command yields {"hour": 11, "minute": 52}
